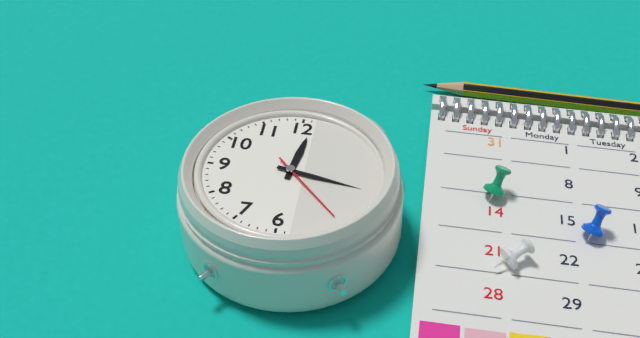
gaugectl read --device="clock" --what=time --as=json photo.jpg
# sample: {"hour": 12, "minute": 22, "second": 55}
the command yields {"hour": 12, "minute": 17, "second": 23}
